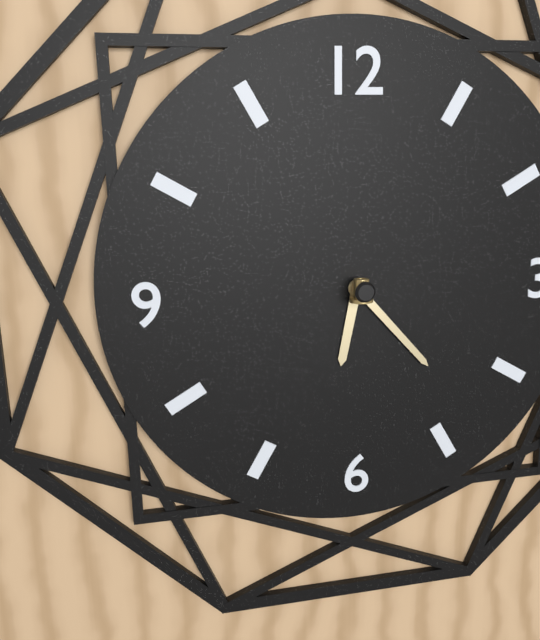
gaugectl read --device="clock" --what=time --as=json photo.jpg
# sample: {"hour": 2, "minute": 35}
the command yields {"hour": 6, "minute": 23}
